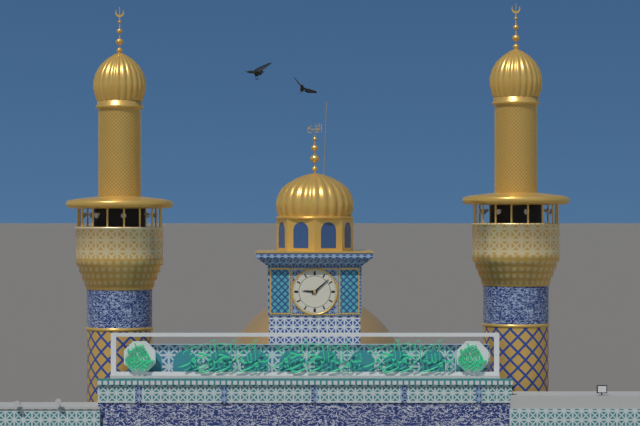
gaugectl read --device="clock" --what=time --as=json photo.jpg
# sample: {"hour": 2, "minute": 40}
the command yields {"hour": 9, "minute": 8}
